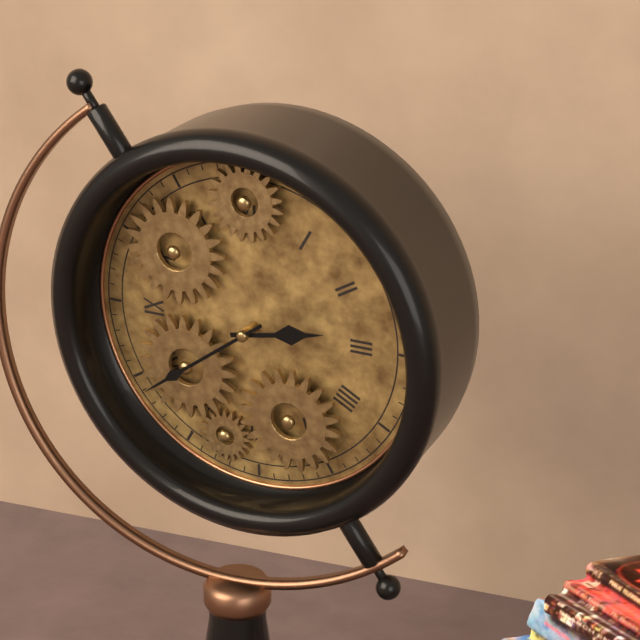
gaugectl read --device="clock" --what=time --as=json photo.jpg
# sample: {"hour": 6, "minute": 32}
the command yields {"hour": 2, "minute": 39}
